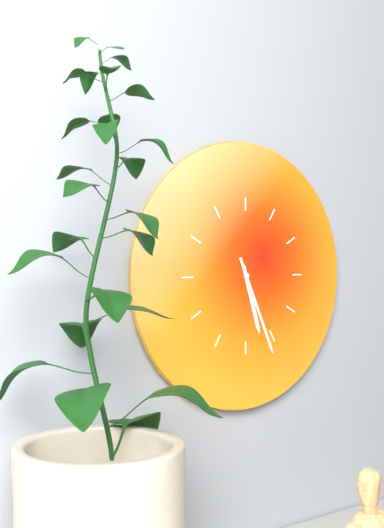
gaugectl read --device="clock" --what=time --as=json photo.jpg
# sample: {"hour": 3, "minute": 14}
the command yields {"hour": 5, "minute": 26}
